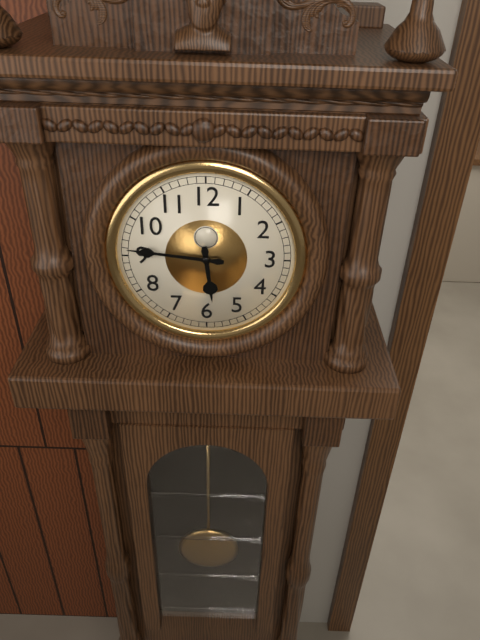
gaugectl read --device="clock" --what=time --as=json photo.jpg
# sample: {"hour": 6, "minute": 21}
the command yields {"hour": 5, "minute": 46}
